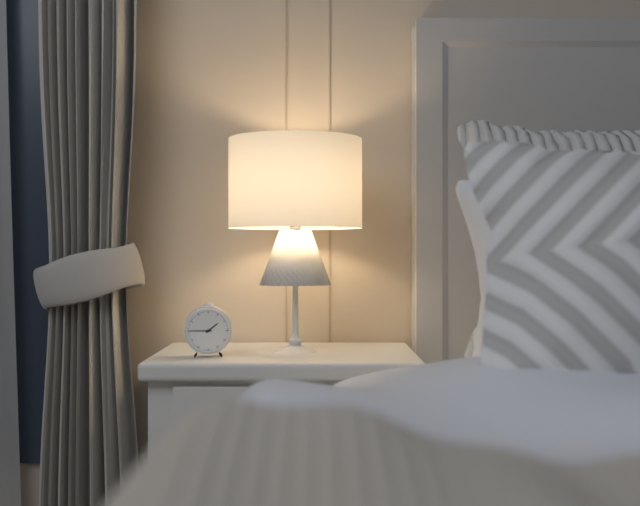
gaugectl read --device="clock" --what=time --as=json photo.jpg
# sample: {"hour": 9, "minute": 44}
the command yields {"hour": 1, "minute": 45}
